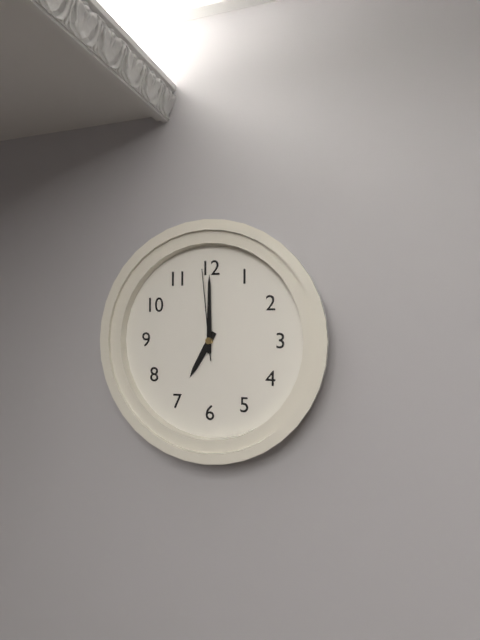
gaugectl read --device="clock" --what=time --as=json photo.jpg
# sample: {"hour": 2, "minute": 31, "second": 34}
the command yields {"hour": 7, "minute": 0, "second": 59}
